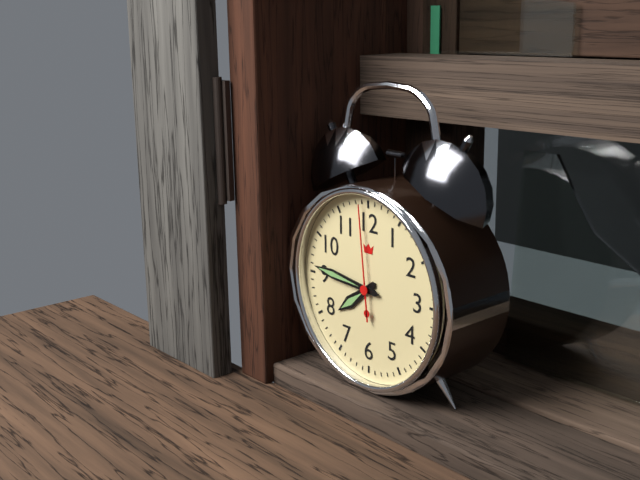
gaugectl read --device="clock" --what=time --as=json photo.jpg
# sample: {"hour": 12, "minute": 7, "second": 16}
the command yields {"hour": 7, "minute": 46, "second": 59}
